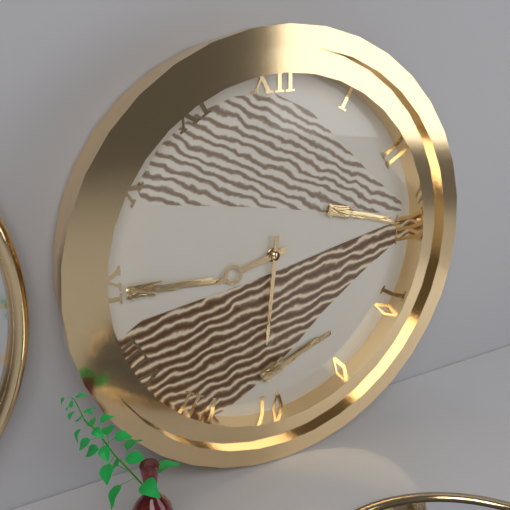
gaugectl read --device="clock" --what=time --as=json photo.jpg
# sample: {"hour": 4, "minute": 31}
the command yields {"hour": 8, "minute": 31}
